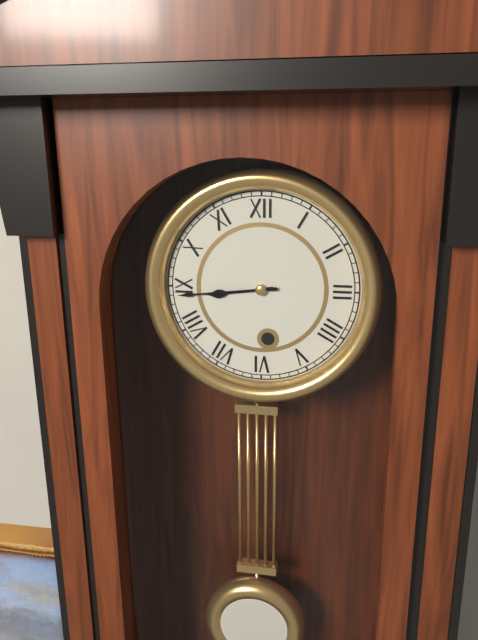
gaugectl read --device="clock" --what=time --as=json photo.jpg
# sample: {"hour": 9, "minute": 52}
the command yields {"hour": 8, "minute": 44}
